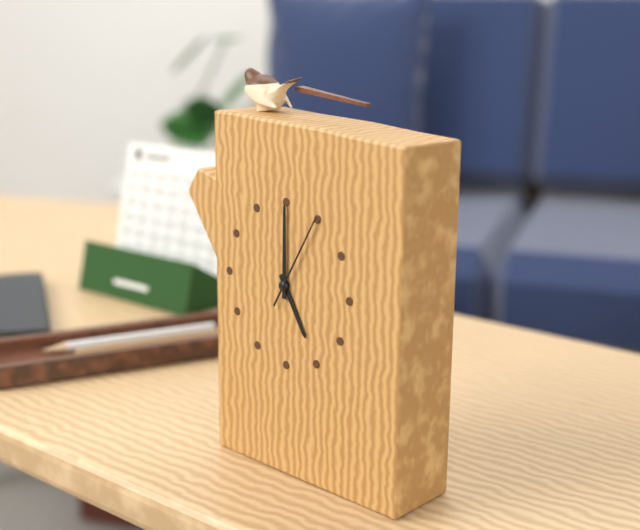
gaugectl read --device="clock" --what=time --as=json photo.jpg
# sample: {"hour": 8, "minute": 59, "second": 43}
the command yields {"hour": 5, "minute": 0, "second": 5}
